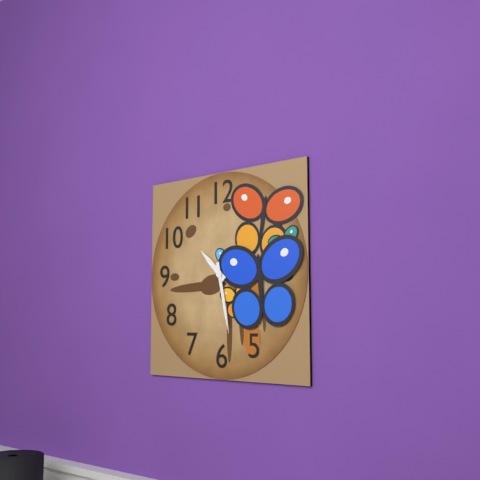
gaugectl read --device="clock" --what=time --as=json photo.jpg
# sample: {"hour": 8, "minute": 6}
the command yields {"hour": 10, "minute": 28}
